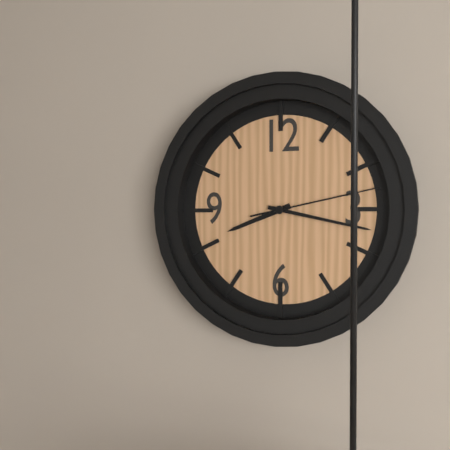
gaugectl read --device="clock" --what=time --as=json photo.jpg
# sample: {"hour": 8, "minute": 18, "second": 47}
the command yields {"hour": 8, "minute": 17, "second": 13}
